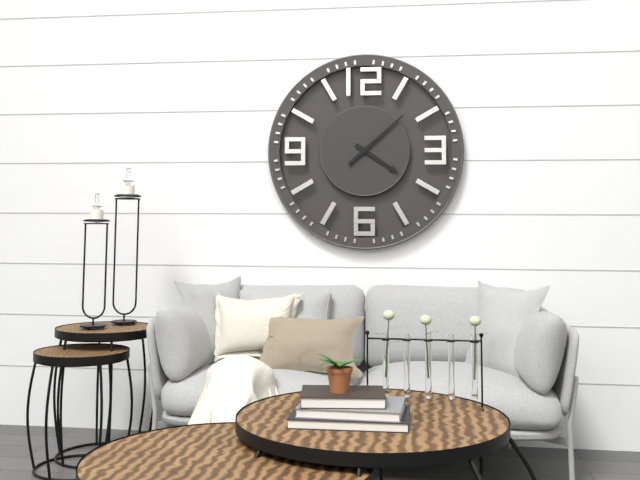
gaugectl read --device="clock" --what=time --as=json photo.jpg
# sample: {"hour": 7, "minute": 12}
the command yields {"hour": 4, "minute": 8}
